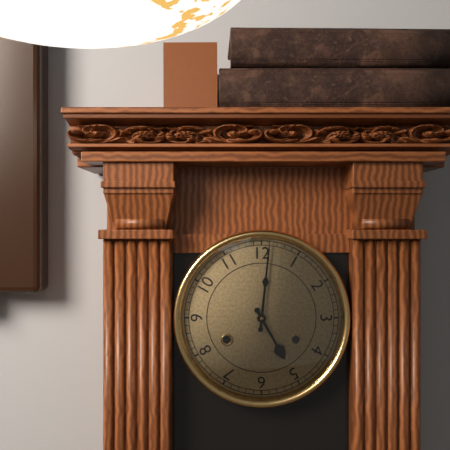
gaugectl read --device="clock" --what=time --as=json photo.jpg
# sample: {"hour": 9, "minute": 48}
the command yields {"hour": 5, "minute": 1}
